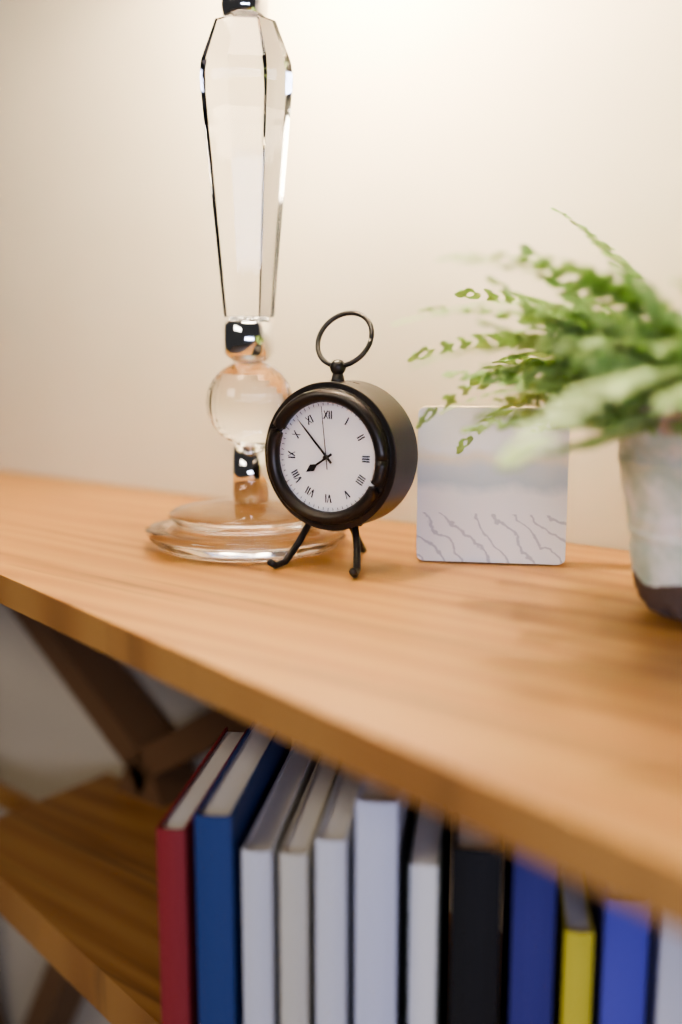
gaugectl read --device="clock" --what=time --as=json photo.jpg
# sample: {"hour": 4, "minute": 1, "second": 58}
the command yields {"hour": 7, "minute": 53, "second": 59}
